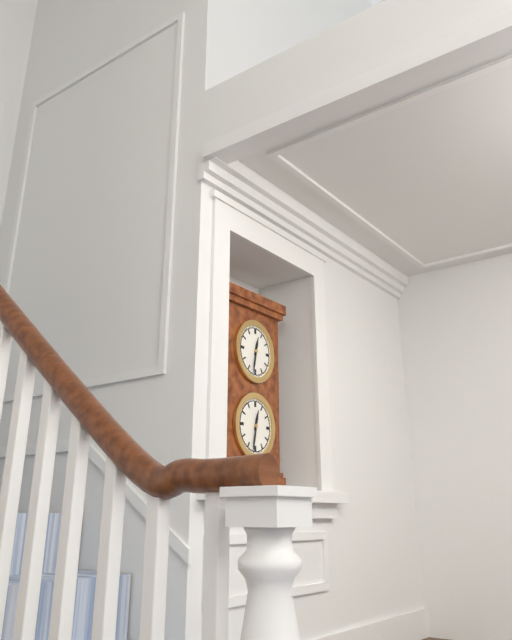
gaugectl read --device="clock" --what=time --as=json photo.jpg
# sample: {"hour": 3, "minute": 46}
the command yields {"hour": 12, "minute": 32}
